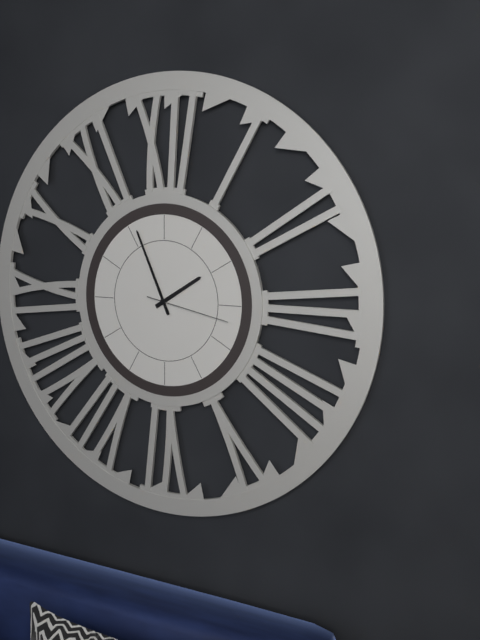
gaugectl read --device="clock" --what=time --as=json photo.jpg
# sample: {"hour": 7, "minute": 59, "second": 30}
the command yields {"hour": 1, "minute": 56, "second": 17}
